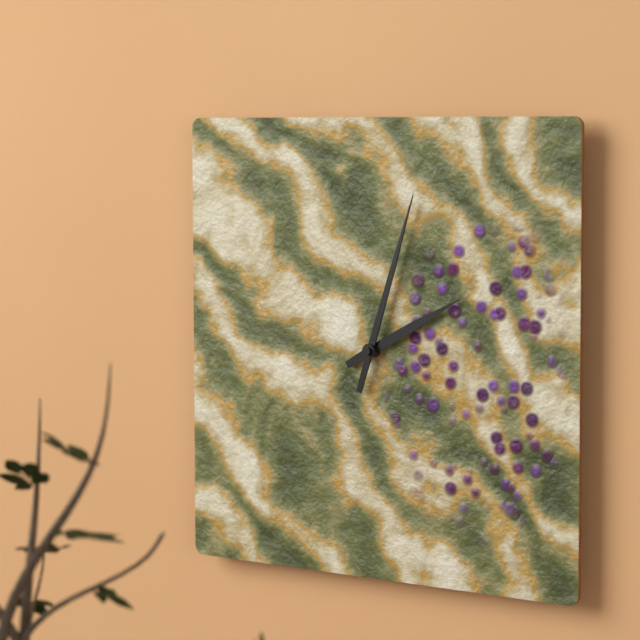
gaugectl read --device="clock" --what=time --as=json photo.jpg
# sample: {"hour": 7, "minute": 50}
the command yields {"hour": 2, "minute": 3}
